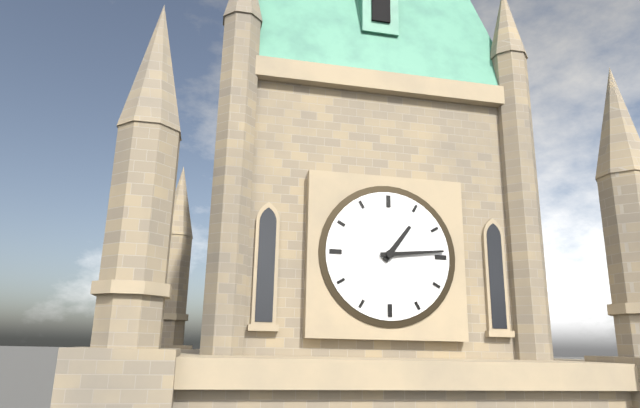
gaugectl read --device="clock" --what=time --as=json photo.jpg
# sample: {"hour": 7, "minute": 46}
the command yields {"hour": 1, "minute": 14}
